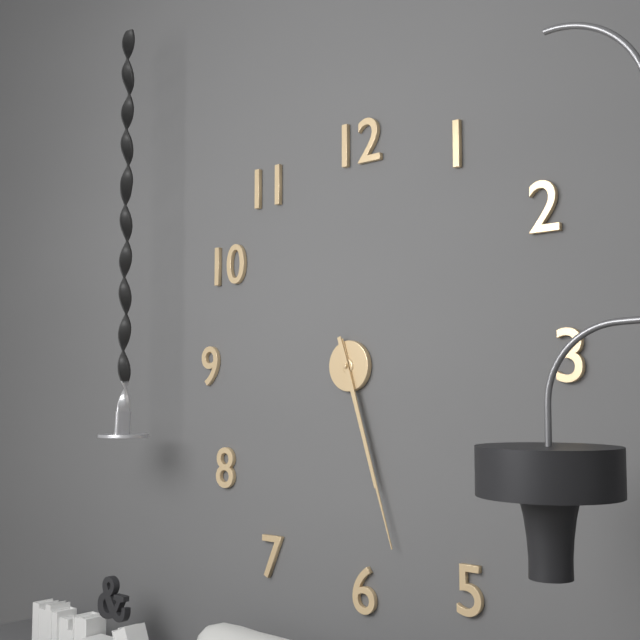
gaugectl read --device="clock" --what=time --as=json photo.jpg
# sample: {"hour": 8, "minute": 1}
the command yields {"hour": 5, "minute": 27}
